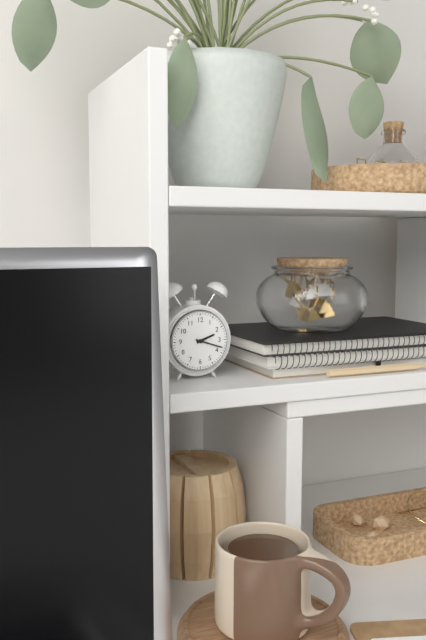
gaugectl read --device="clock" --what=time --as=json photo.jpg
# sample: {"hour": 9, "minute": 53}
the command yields {"hour": 2, "minute": 18}
